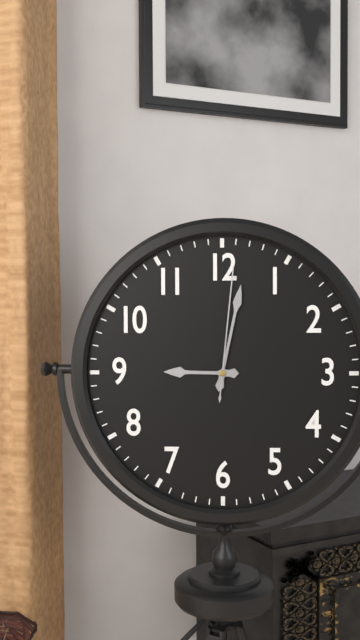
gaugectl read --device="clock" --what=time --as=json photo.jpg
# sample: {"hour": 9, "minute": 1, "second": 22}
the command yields {"hour": 9, "minute": 2, "second": 1}
